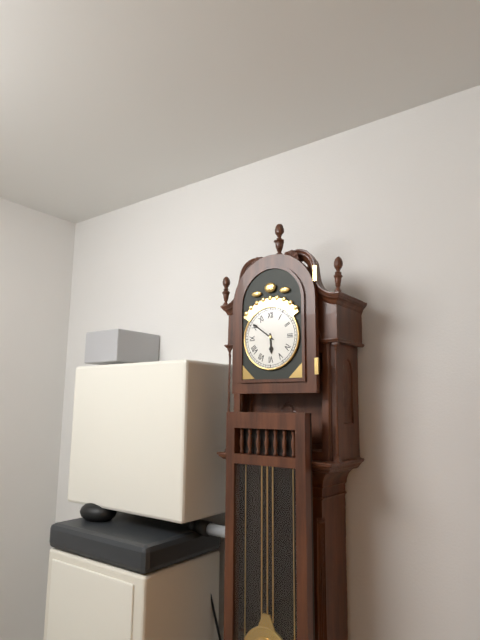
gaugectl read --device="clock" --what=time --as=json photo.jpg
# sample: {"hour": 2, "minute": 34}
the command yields {"hour": 5, "minute": 51}
